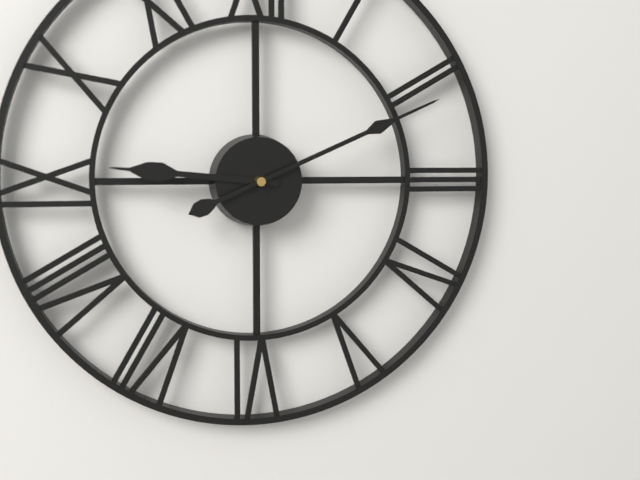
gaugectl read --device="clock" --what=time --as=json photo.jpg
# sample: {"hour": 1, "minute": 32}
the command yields {"hour": 9, "minute": 11}
